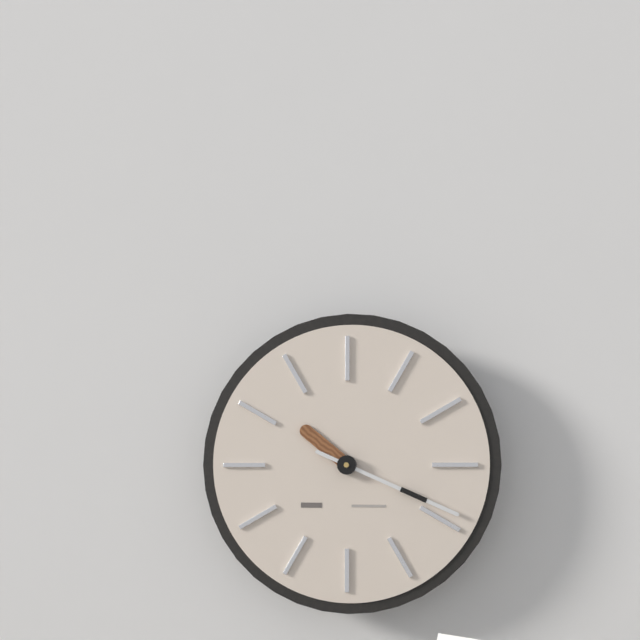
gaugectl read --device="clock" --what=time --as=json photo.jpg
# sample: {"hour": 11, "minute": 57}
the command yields {"hour": 10, "minute": 19}
